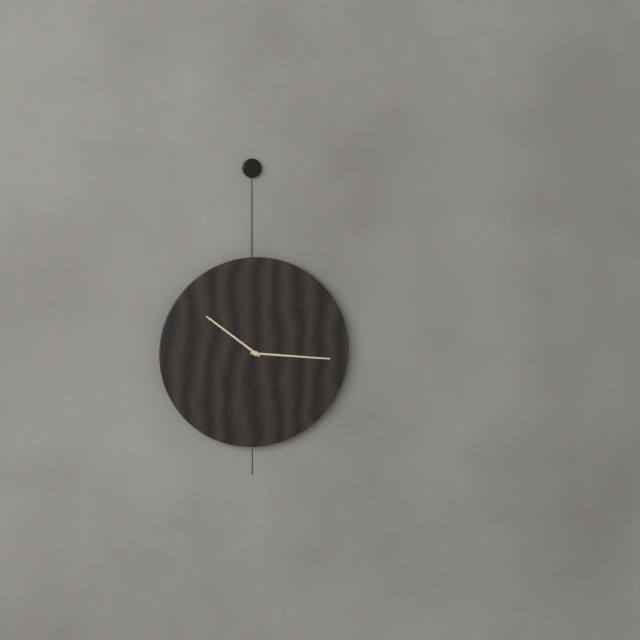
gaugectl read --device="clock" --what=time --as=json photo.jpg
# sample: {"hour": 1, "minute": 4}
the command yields {"hour": 10, "minute": 16}
